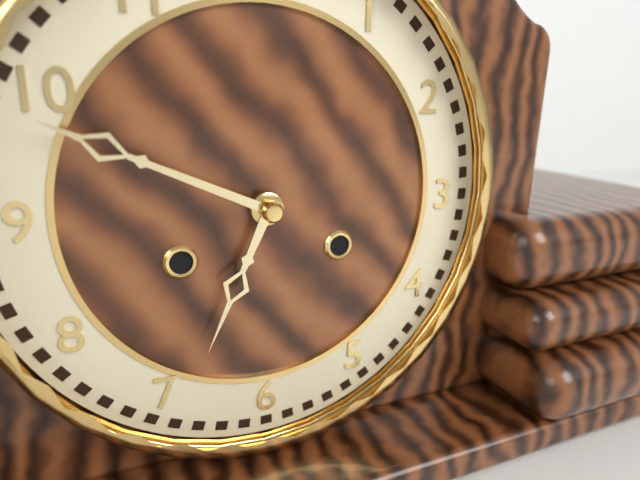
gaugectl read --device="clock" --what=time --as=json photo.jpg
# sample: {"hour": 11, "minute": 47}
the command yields {"hour": 6, "minute": 49}
